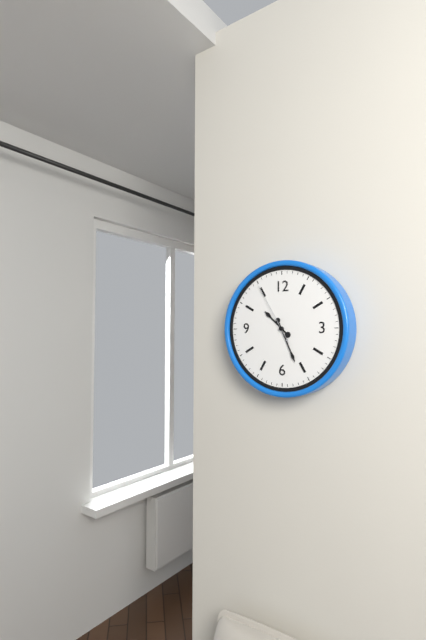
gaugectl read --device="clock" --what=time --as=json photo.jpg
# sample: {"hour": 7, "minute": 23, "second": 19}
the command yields {"hour": 10, "minute": 26, "second": 55}
